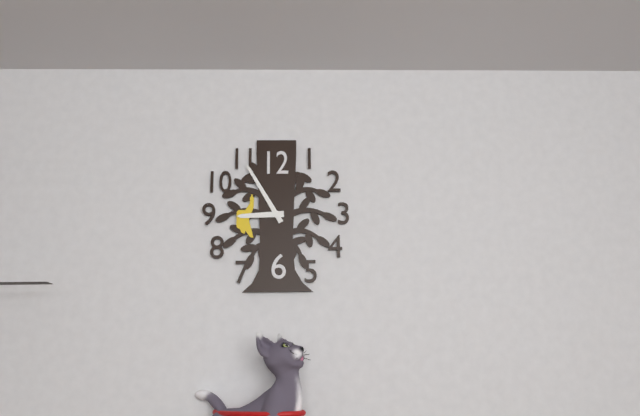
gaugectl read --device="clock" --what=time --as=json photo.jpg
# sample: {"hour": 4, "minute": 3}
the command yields {"hour": 8, "minute": 55}
